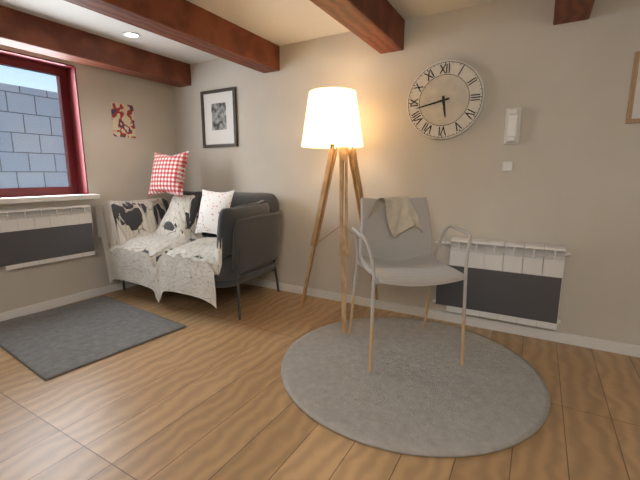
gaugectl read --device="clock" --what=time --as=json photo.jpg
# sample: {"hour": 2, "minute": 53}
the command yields {"hour": 5, "minute": 43}
